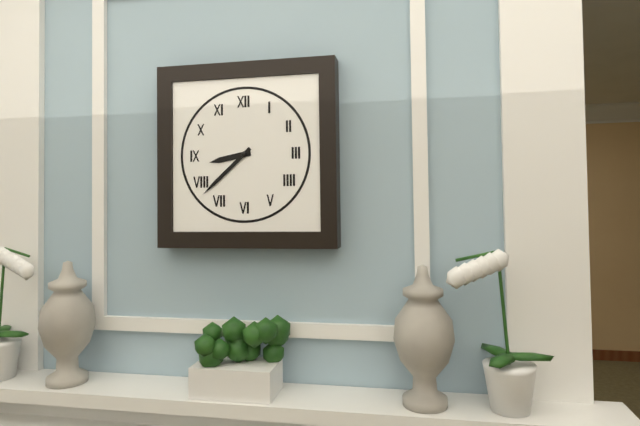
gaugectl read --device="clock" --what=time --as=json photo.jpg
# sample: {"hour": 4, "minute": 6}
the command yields {"hour": 8, "minute": 38}
